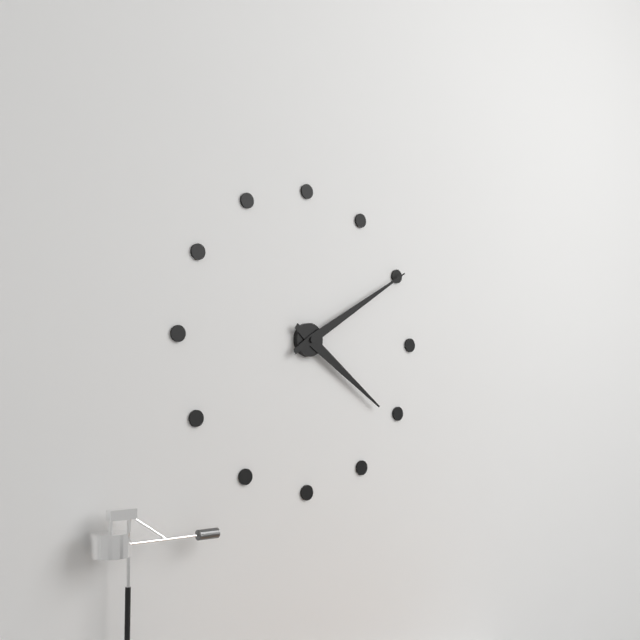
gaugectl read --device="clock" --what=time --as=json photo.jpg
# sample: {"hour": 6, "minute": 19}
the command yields {"hour": 4, "minute": 10}
